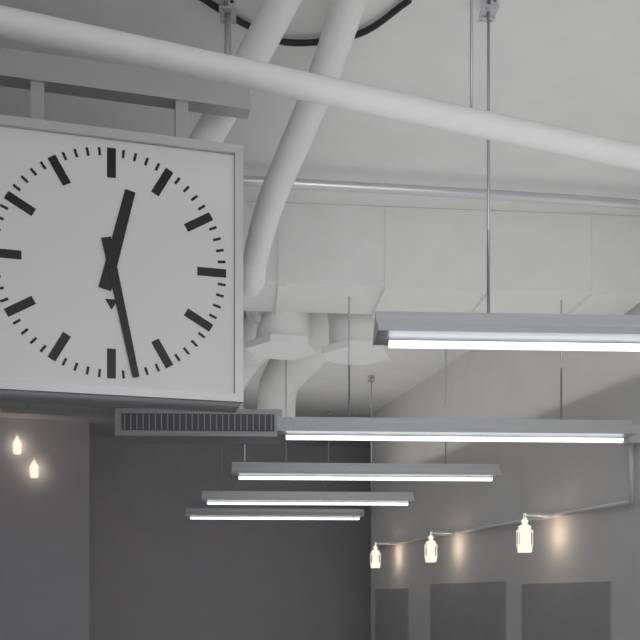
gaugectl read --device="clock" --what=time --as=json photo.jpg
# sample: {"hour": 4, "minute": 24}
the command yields {"hour": 12, "minute": 28}
